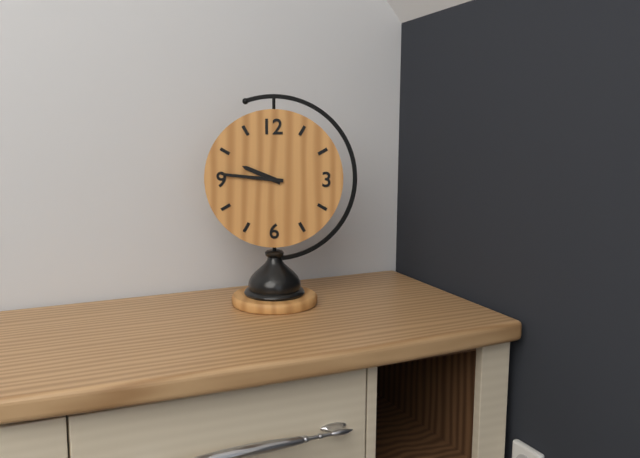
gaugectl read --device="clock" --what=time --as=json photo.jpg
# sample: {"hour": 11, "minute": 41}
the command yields {"hour": 9, "minute": 46}
